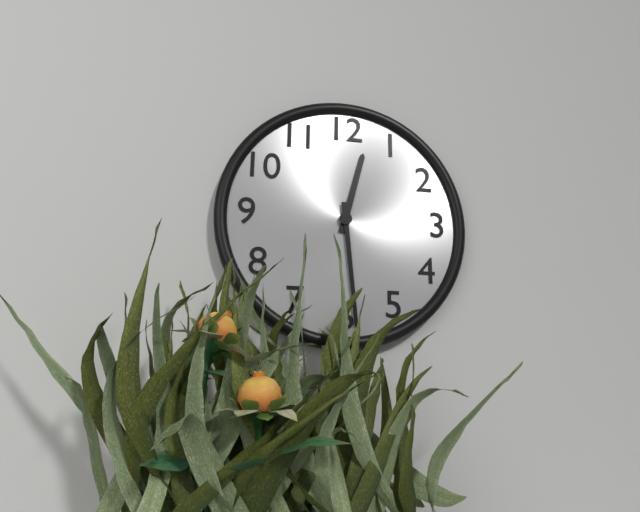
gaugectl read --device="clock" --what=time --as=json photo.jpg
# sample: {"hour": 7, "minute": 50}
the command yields {"hour": 12, "minute": 29}
